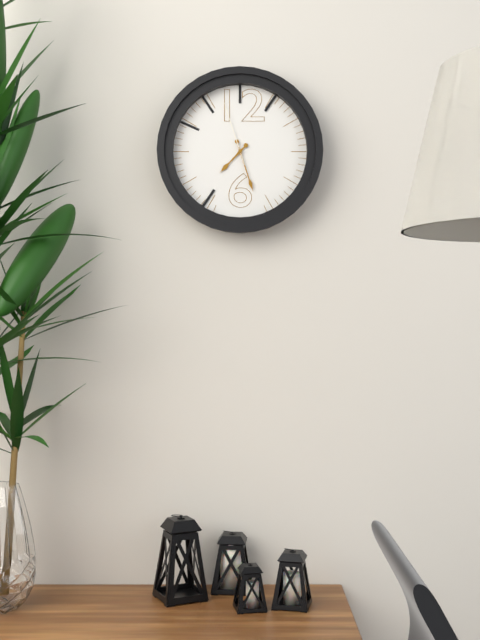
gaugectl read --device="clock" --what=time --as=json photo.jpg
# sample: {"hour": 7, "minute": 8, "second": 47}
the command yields {"hour": 7, "minute": 27, "second": 57}
